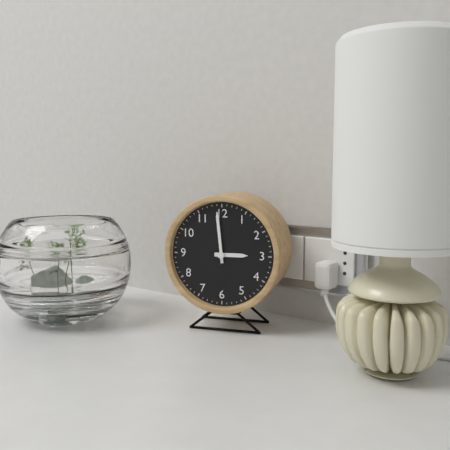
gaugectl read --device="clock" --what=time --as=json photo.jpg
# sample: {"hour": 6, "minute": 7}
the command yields {"hour": 2, "minute": 59}
